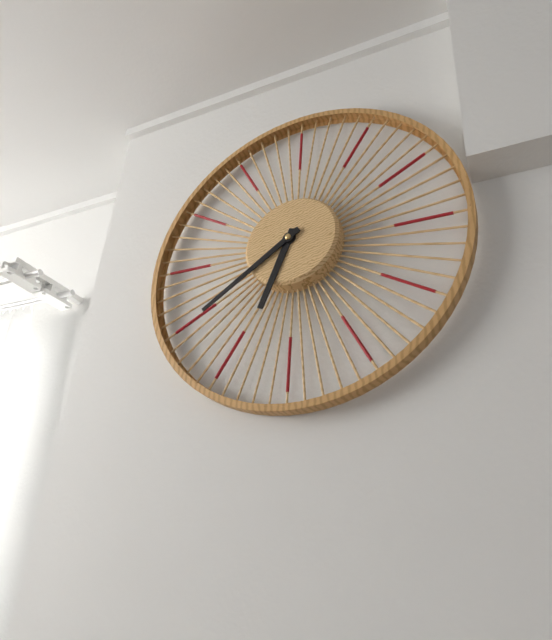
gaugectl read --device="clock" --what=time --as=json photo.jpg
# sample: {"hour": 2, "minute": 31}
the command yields {"hour": 6, "minute": 39}
